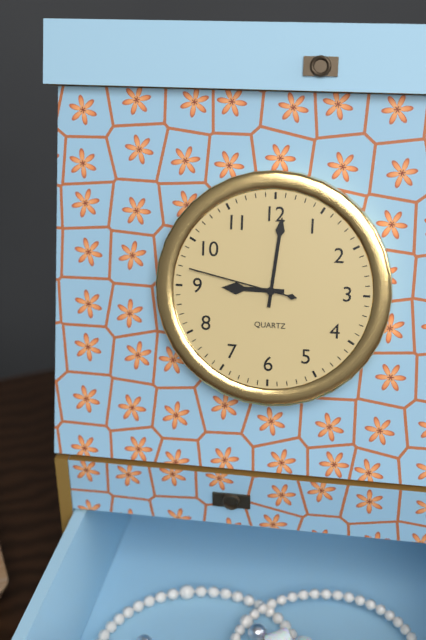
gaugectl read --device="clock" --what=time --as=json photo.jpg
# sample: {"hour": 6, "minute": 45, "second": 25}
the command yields {"hour": 9, "minute": 1, "second": 47}
